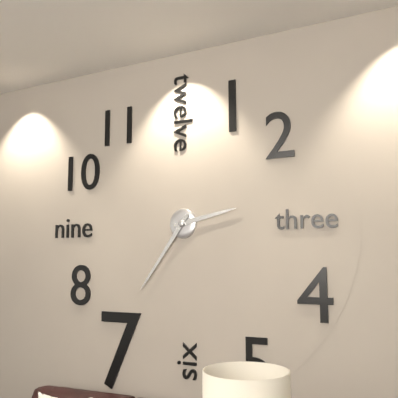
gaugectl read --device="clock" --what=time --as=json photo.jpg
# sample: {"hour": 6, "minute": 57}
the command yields {"hour": 2, "minute": 36}
